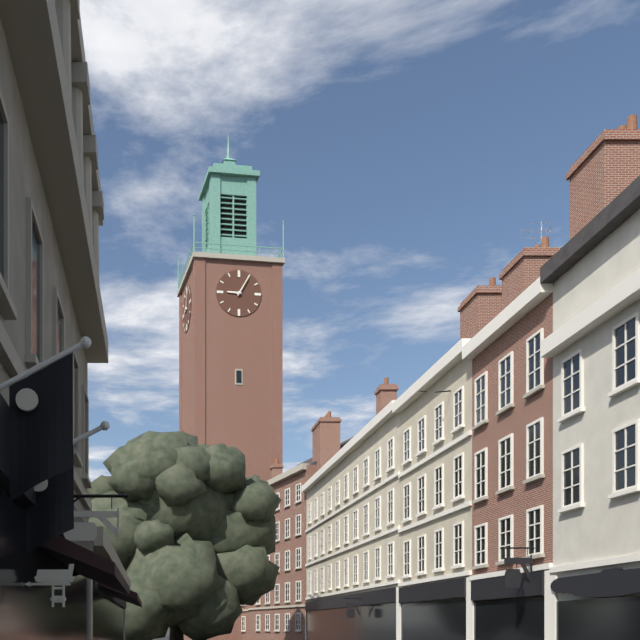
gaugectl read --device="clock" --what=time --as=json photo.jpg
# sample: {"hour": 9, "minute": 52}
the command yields {"hour": 9, "minute": 5}
